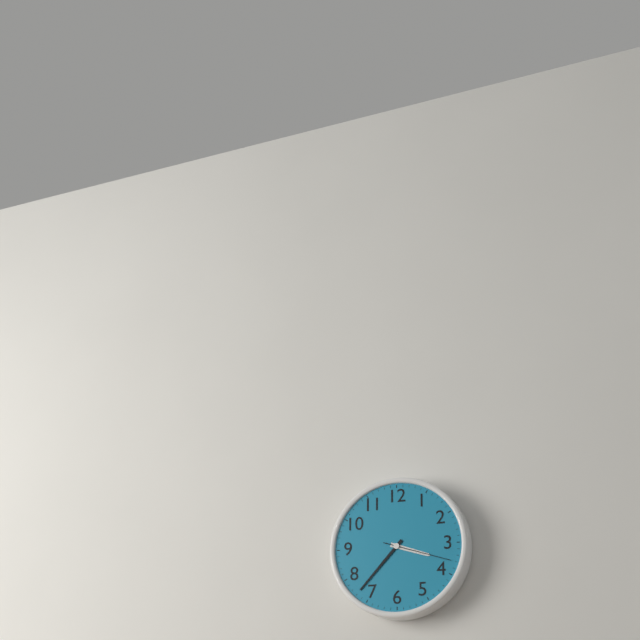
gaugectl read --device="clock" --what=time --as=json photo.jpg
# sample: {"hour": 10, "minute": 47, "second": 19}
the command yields {"hour": 3, "minute": 37, "second": 18}
